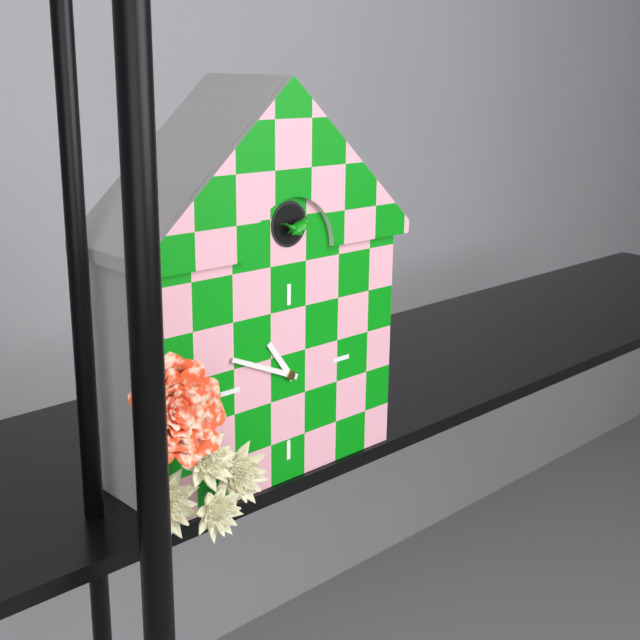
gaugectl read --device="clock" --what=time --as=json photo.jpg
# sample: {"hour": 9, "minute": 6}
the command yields {"hour": 10, "minute": 49}
